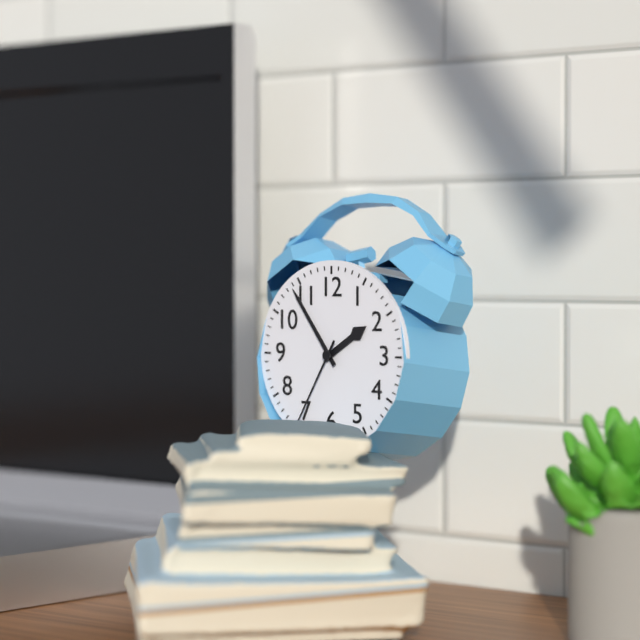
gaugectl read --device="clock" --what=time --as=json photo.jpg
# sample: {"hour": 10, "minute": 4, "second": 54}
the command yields {"hour": 1, "minute": 54, "second": 35}
